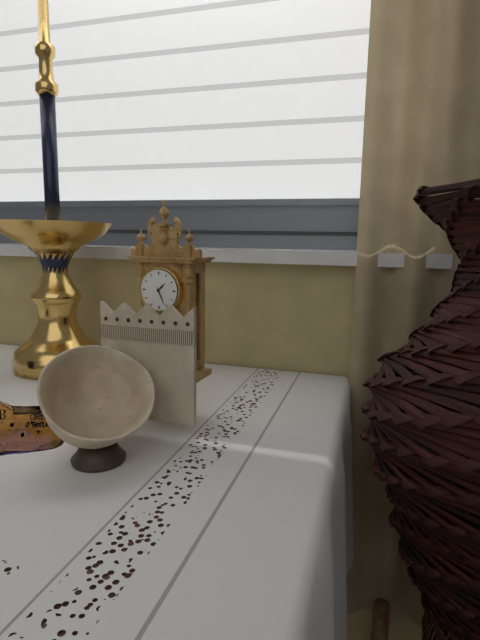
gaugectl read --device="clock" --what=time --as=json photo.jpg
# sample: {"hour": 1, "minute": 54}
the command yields {"hour": 1, "minute": 26}
